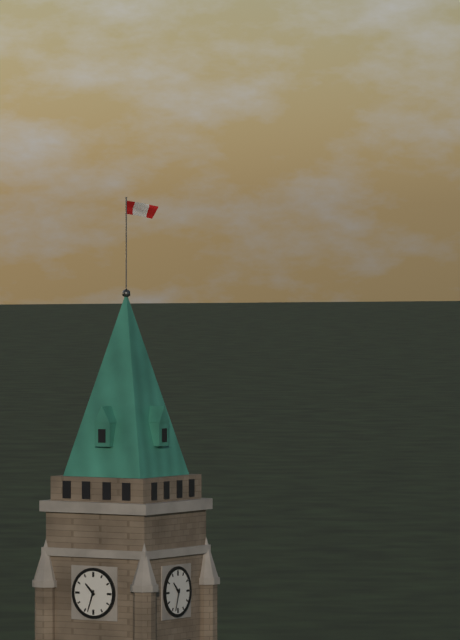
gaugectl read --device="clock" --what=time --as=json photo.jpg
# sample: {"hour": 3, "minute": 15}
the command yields {"hour": 10, "minute": 33}
